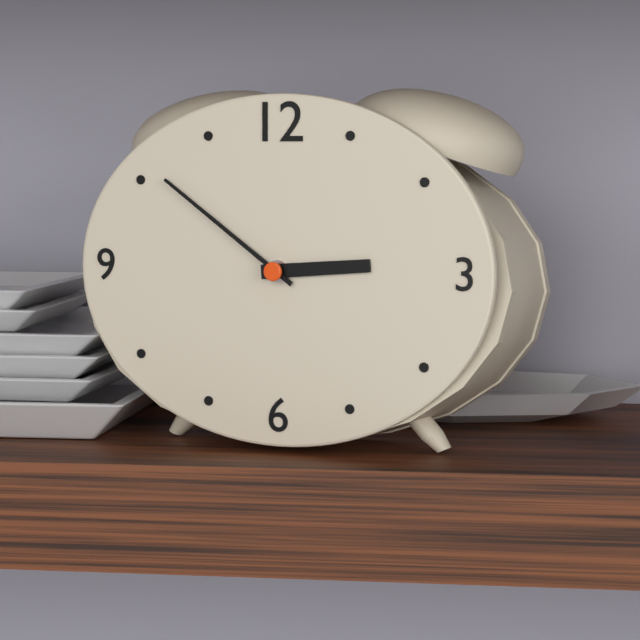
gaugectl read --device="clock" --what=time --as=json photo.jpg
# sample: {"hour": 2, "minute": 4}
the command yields {"hour": 2, "minute": 51}
